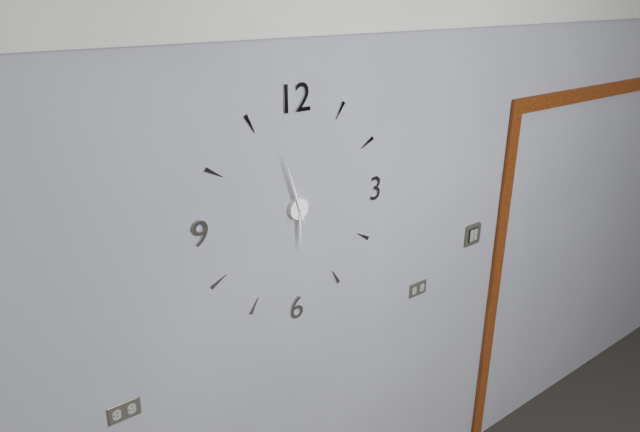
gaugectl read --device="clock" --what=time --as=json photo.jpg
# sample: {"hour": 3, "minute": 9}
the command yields {"hour": 5, "minute": 57}
